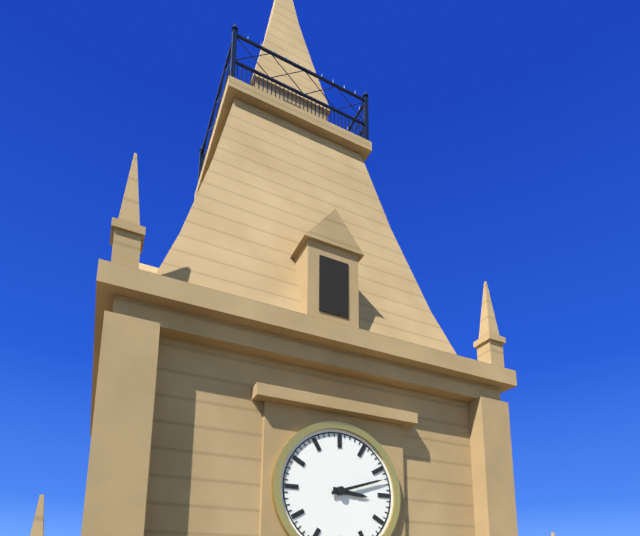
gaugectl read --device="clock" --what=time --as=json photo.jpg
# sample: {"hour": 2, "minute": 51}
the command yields {"hour": 3, "minute": 12}
